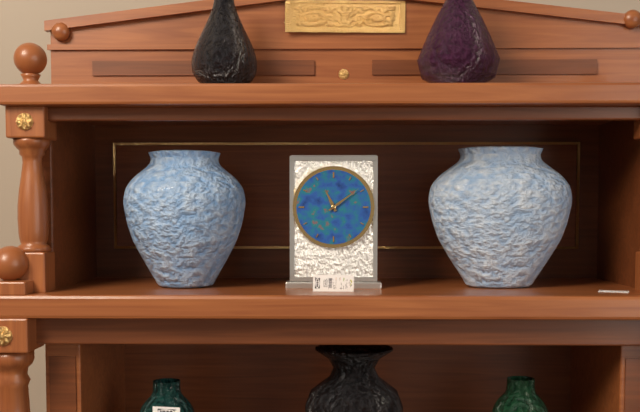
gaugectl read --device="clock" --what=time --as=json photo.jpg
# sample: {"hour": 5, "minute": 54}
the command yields {"hour": 11, "minute": 9}
